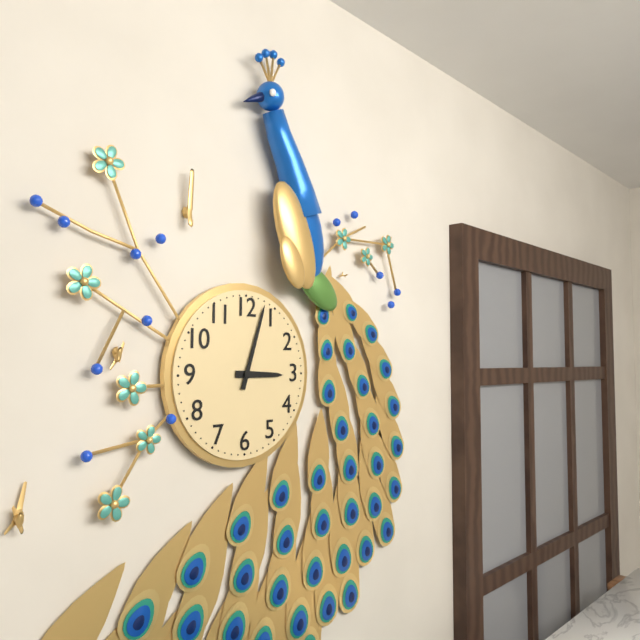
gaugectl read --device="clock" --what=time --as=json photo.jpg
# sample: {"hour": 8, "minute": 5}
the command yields {"hour": 3, "minute": 3}
